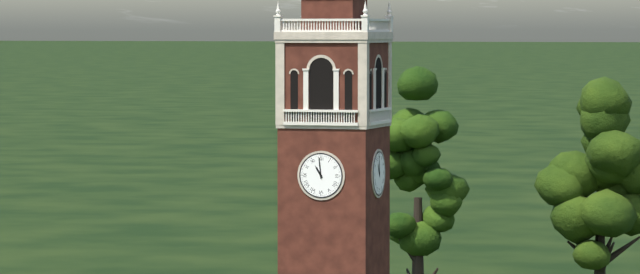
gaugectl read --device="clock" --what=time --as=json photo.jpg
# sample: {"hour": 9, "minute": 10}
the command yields {"hour": 10, "minute": 59}
